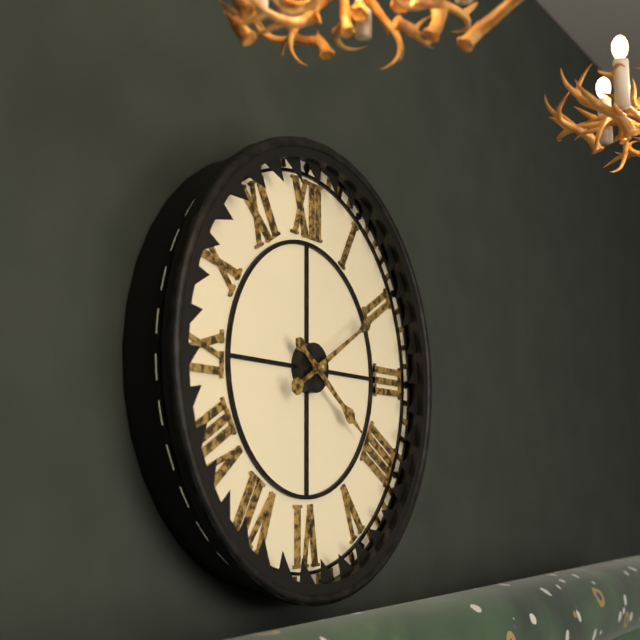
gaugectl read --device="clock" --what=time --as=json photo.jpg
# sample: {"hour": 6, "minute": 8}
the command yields {"hour": 4, "minute": 10}
